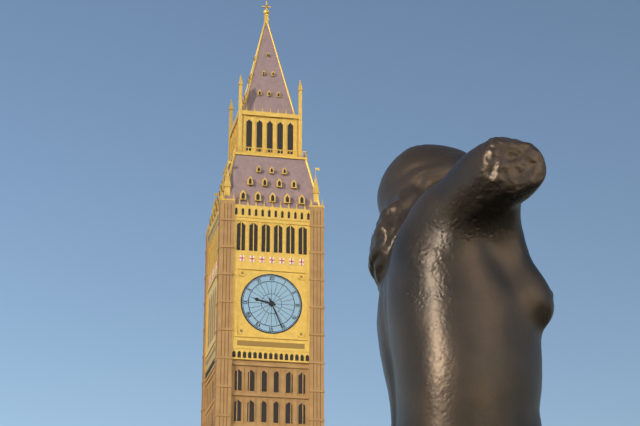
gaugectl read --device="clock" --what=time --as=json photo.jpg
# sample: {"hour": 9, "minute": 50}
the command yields {"hour": 9, "minute": 26}
